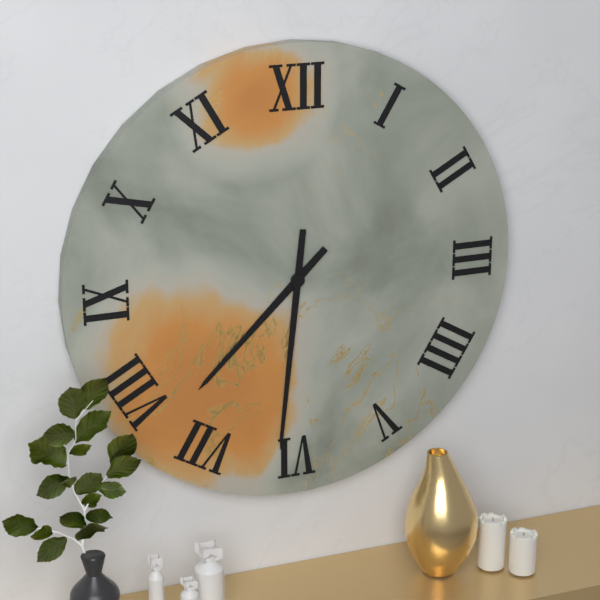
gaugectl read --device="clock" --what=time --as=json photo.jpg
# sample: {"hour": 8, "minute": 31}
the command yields {"hour": 7, "minute": 31}
